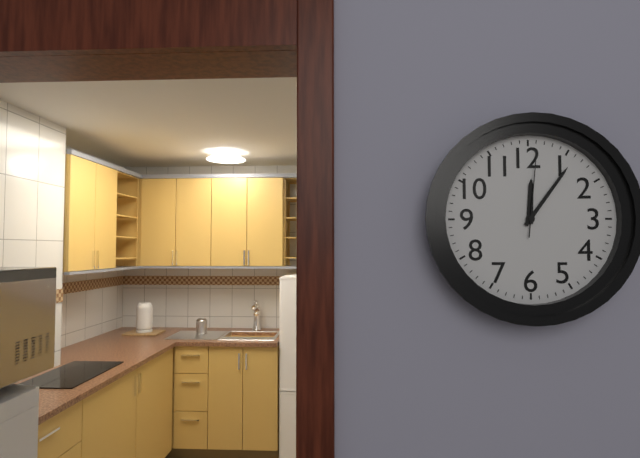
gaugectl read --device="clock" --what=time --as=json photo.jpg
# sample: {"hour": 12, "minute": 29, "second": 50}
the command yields {"hour": 12, "minute": 6, "second": 1}
